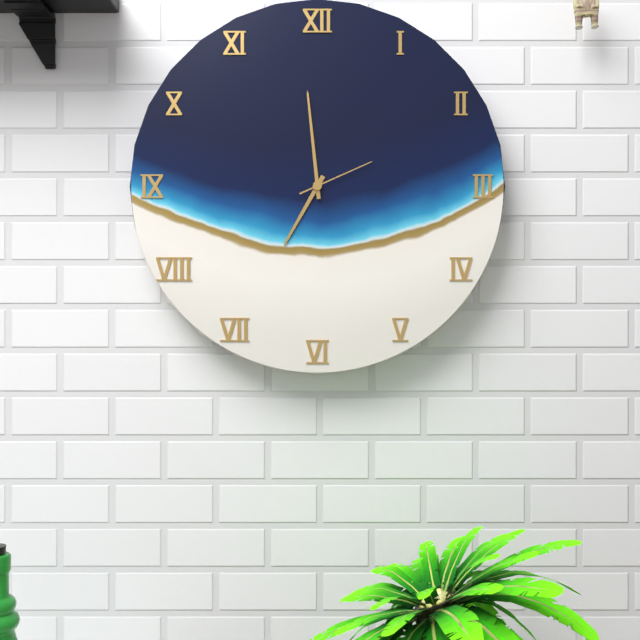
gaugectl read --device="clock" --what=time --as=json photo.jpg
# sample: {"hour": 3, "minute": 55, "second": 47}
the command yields {"hour": 6, "minute": 59, "second": 11}
